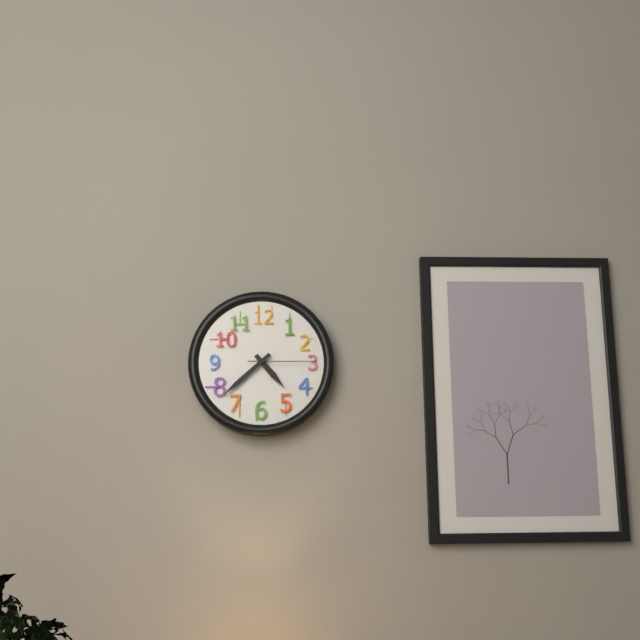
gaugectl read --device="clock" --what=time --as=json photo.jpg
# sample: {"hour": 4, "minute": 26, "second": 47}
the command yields {"hour": 4, "minute": 38, "second": 15}
